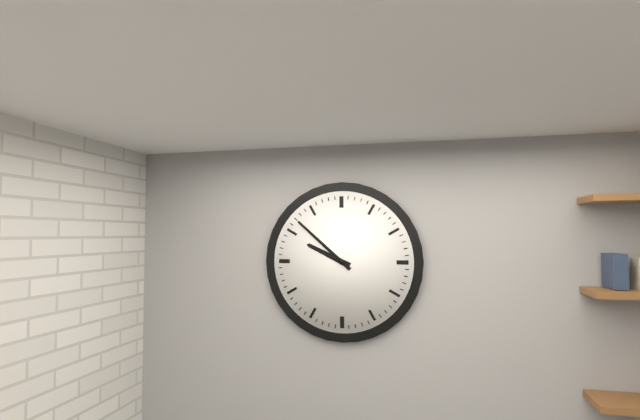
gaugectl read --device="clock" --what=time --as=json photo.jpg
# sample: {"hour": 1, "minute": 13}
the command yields {"hour": 9, "minute": 52}
